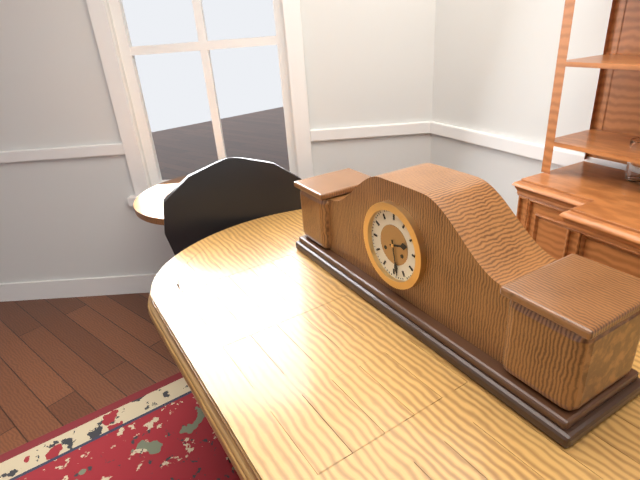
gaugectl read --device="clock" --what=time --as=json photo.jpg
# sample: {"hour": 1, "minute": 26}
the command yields {"hour": 2, "minute": 28}
